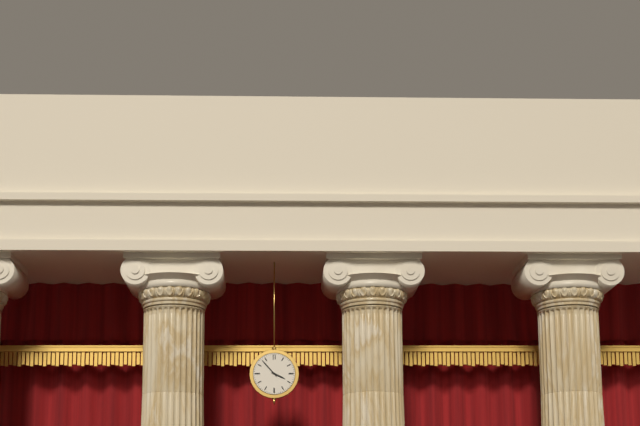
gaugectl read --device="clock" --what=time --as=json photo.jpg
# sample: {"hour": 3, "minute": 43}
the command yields {"hour": 3, "minute": 53}
